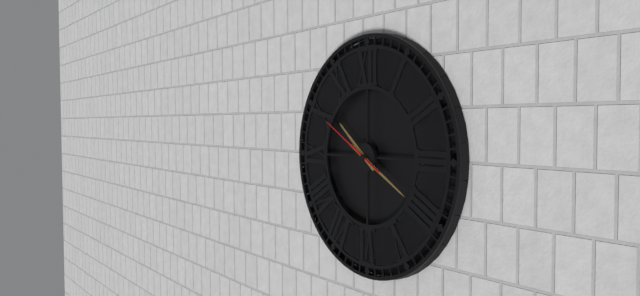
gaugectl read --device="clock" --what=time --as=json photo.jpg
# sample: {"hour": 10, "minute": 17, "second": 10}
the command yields {"hour": 10, "minute": 20, "second": 50}
